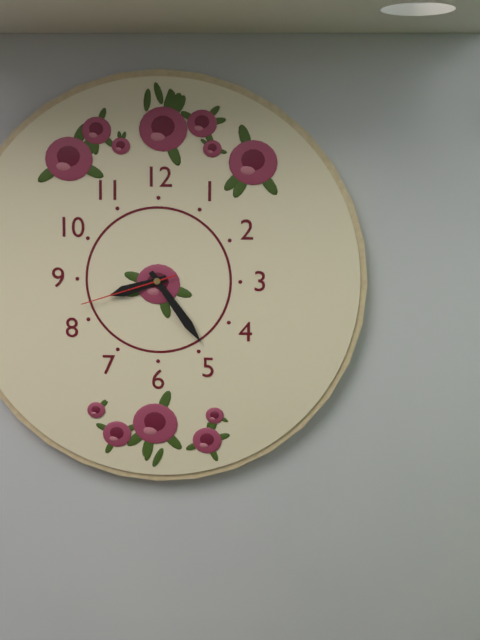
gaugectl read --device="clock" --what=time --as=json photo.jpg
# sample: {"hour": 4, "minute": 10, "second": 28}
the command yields {"hour": 8, "minute": 24, "second": 42}
